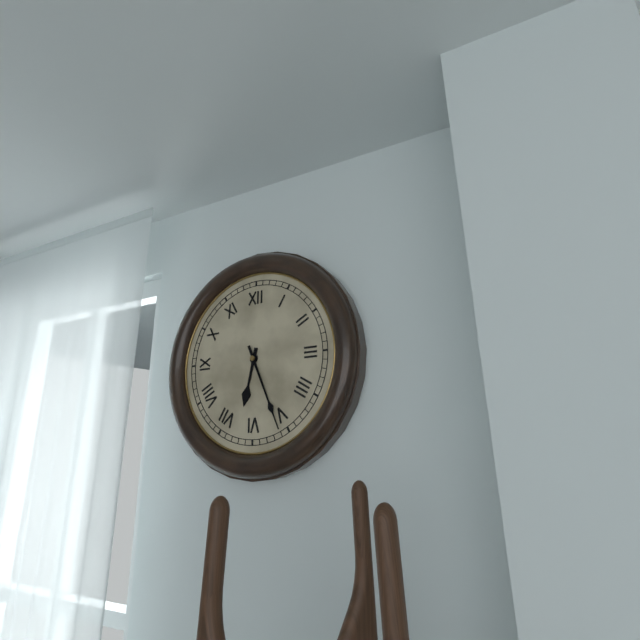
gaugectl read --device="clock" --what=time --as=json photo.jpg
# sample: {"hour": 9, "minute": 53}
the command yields {"hour": 6, "minute": 26}
